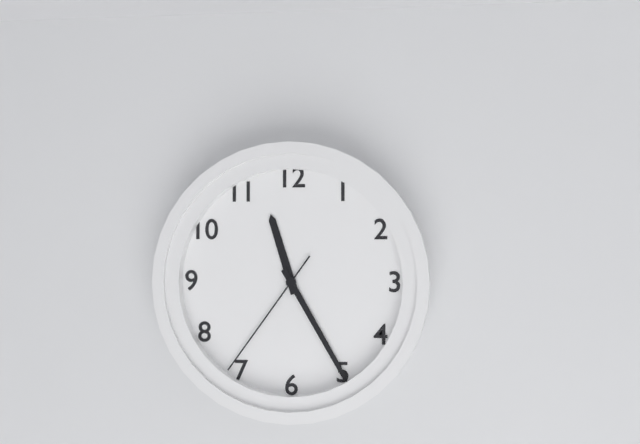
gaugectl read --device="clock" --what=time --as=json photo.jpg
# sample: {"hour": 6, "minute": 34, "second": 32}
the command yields {"hour": 11, "minute": 25, "second": 36}
